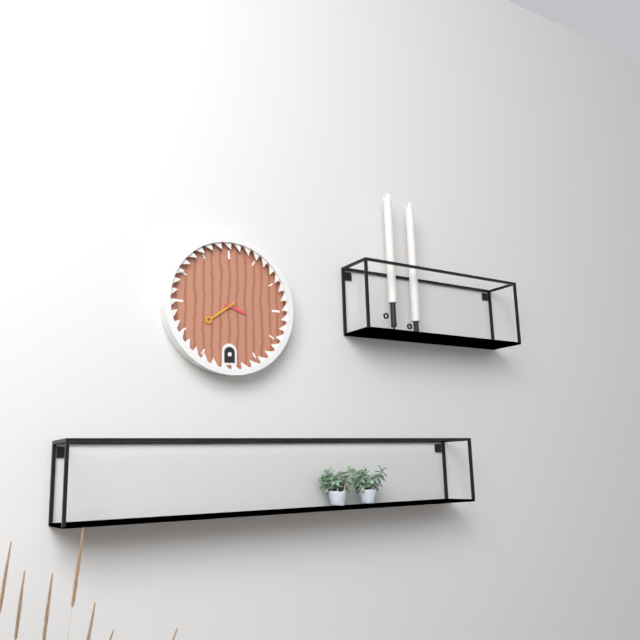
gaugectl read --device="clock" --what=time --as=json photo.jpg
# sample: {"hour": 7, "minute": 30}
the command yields {"hour": 3, "minute": 39}
